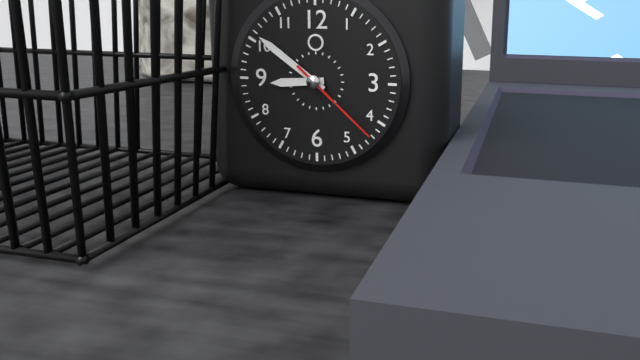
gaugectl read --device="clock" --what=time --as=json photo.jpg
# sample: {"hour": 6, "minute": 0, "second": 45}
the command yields {"hour": 8, "minute": 51, "second": 22}
